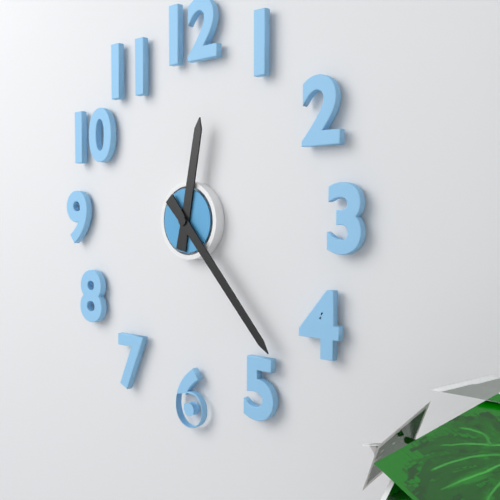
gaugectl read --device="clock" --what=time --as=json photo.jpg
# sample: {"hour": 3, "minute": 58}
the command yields {"hour": 12, "minute": 23}
